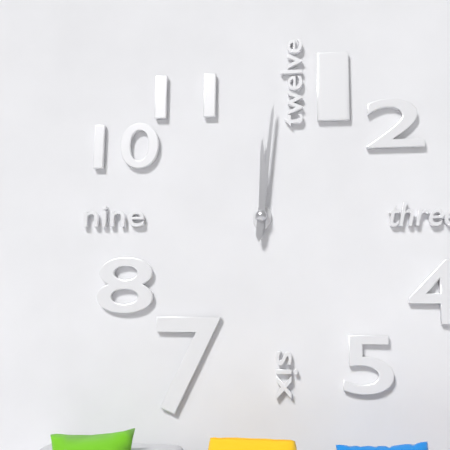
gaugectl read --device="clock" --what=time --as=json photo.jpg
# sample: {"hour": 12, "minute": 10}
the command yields {"hour": 12, "minute": 1}
